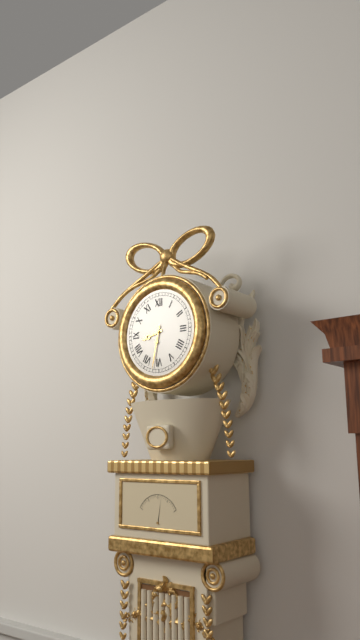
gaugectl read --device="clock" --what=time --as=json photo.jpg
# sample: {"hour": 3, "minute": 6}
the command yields {"hour": 8, "minute": 32}
